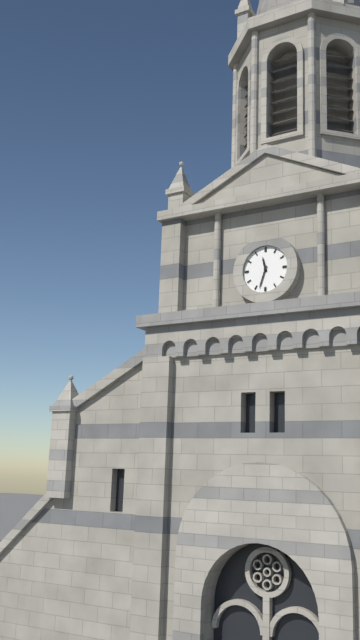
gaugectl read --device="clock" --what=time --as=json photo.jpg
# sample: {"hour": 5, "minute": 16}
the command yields {"hour": 11, "minute": 33}
